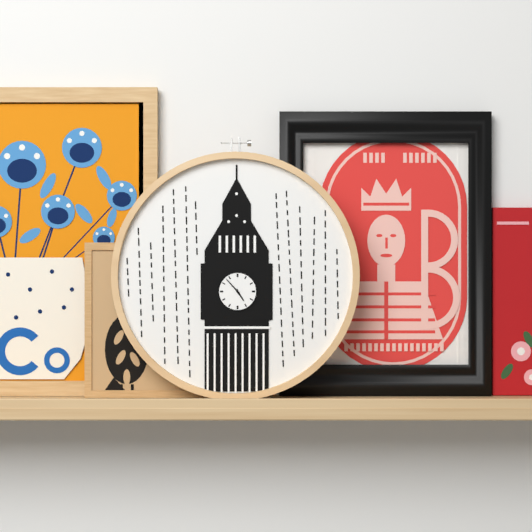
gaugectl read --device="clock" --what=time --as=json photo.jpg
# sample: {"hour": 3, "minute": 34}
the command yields {"hour": 4, "minute": 53}
